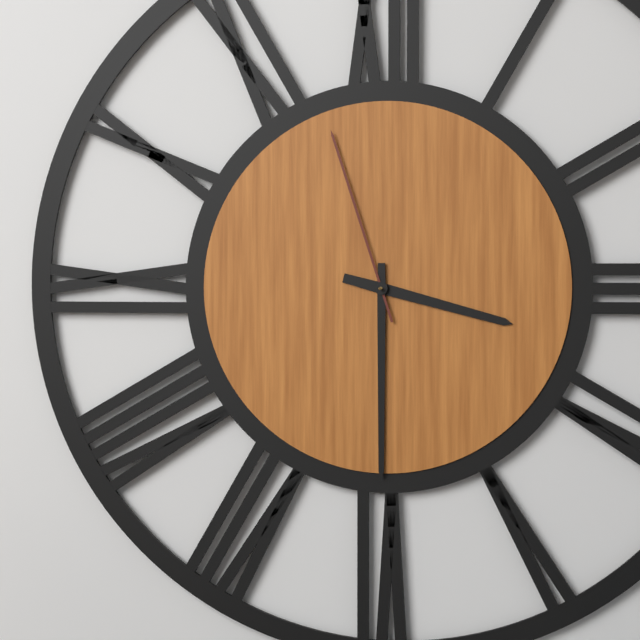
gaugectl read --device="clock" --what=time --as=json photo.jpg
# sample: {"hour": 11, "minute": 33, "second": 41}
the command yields {"hour": 3, "minute": 30, "second": 57}
